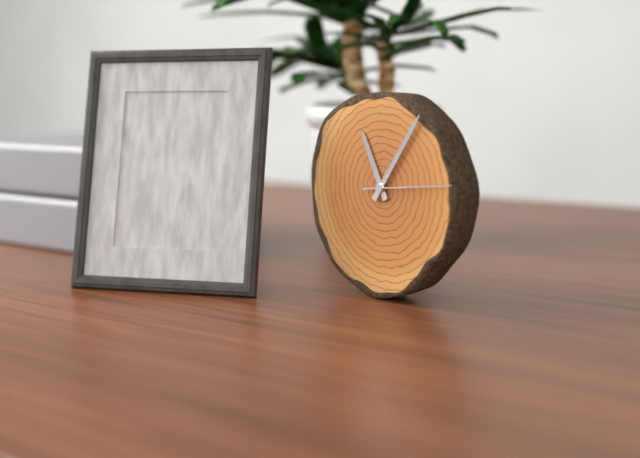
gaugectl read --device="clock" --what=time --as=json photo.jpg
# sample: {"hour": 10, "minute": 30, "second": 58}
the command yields {"hour": 11, "minute": 6, "second": 14}
